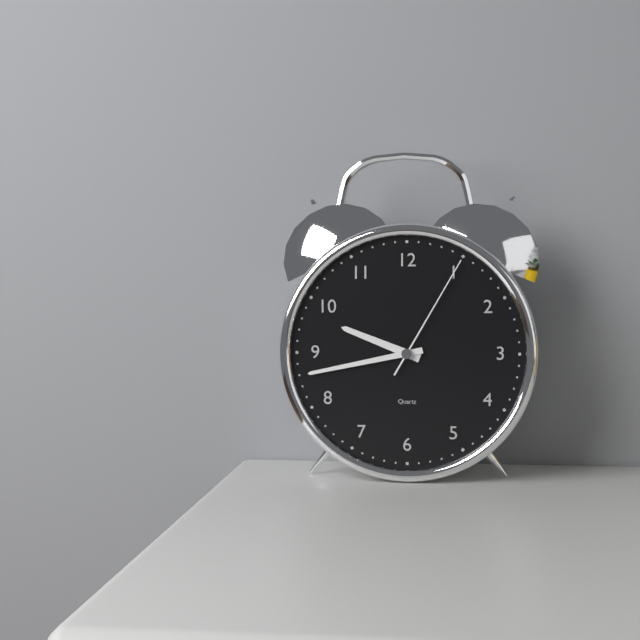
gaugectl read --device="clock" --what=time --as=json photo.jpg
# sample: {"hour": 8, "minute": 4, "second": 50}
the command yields {"hour": 9, "minute": 43, "second": 5}
